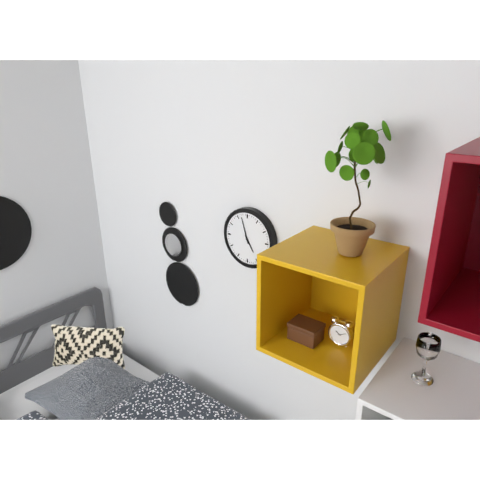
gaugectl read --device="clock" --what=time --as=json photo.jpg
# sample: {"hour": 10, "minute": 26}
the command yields {"hour": 4, "minute": 57}
